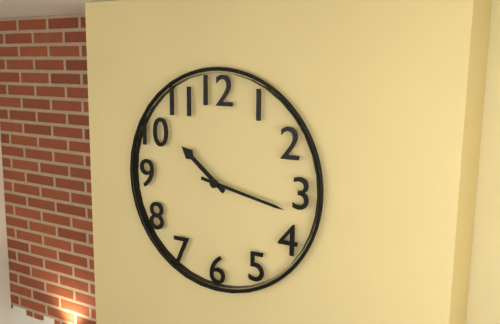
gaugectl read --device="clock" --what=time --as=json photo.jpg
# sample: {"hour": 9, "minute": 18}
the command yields {"hour": 10, "minute": 17}
